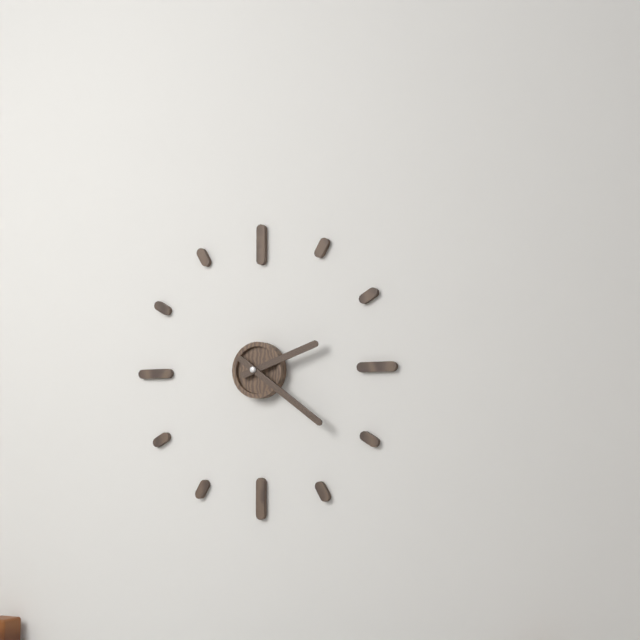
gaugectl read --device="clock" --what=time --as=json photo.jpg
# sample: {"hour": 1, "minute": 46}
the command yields {"hour": 2, "minute": 21}
